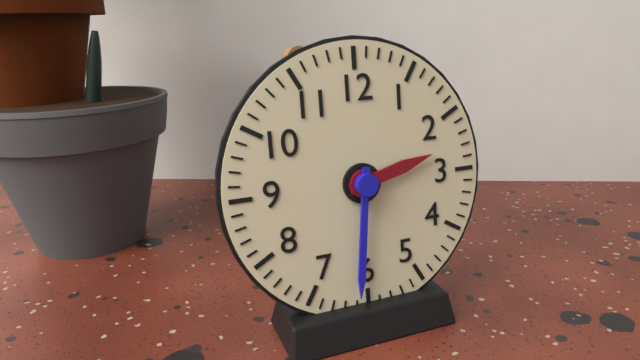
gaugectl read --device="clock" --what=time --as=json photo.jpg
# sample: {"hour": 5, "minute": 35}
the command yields {"hour": 2, "minute": 31}
